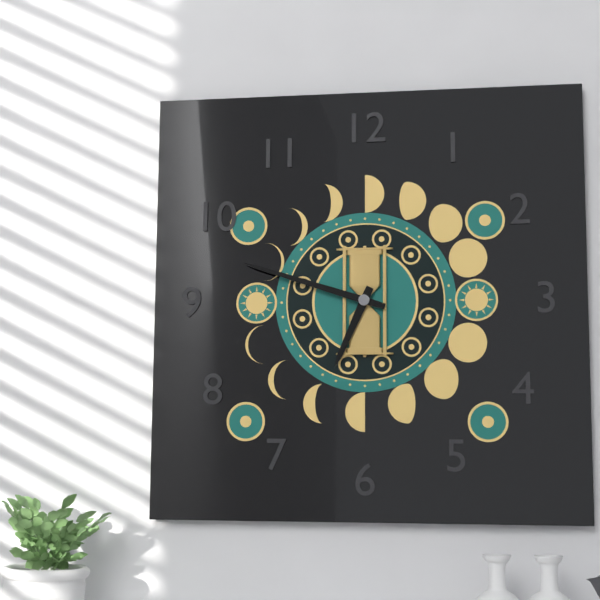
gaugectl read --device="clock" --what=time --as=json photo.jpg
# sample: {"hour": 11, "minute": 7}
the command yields {"hour": 6, "minute": 48}
